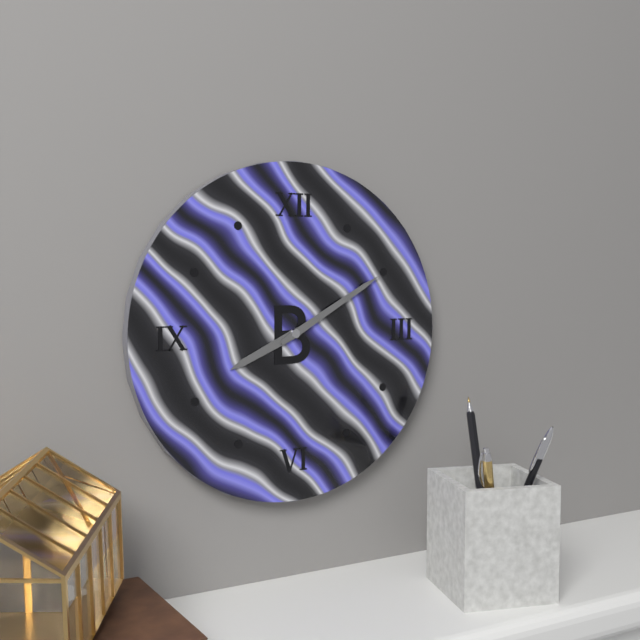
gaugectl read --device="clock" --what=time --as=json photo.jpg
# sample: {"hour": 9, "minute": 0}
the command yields {"hour": 8, "minute": 10}
